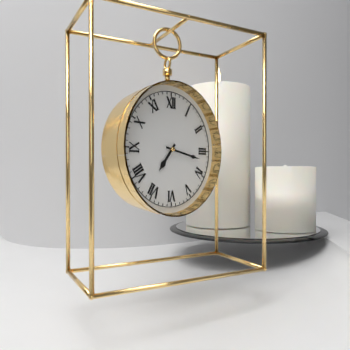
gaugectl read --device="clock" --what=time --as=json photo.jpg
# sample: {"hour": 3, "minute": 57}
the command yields {"hour": 7, "minute": 17}
